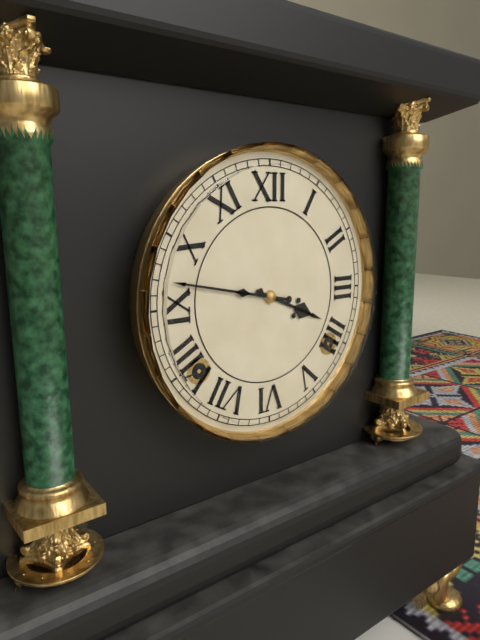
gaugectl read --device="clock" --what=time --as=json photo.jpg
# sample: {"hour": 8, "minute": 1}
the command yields {"hour": 3, "minute": 47}
